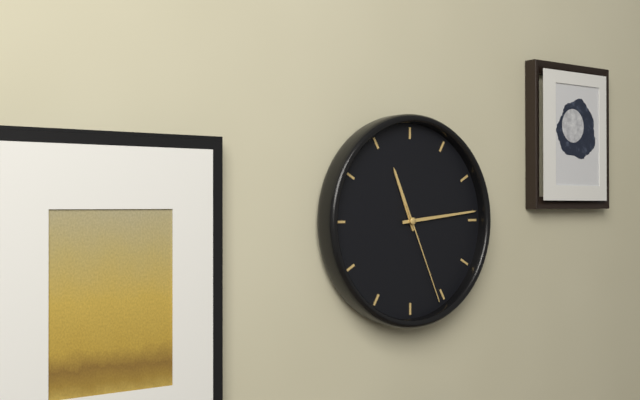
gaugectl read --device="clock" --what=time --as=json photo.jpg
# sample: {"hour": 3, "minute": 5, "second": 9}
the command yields {"hour": 11, "minute": 14, "second": 26}
